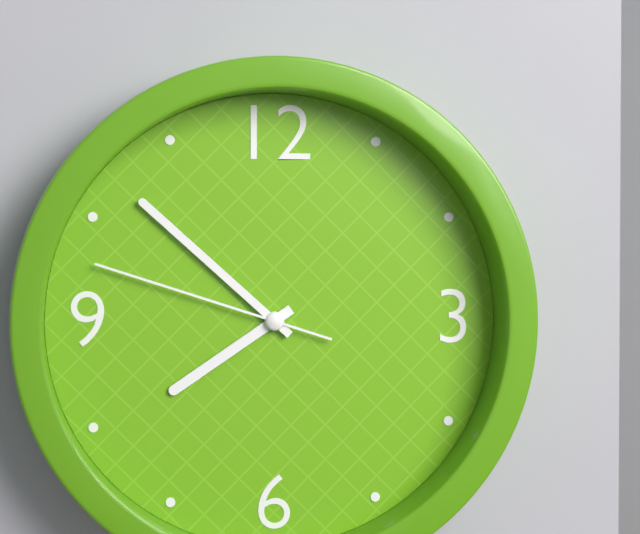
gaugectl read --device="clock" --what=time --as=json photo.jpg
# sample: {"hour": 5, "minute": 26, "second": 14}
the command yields {"hour": 7, "minute": 52, "second": 48}
